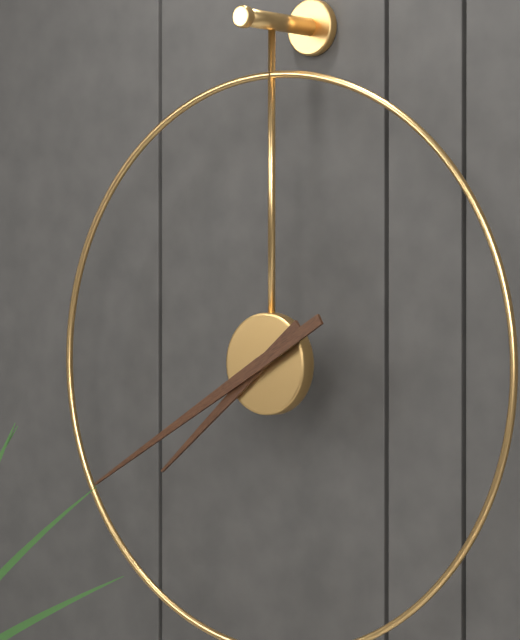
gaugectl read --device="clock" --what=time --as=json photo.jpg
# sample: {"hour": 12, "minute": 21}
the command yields {"hour": 7, "minute": 40}
